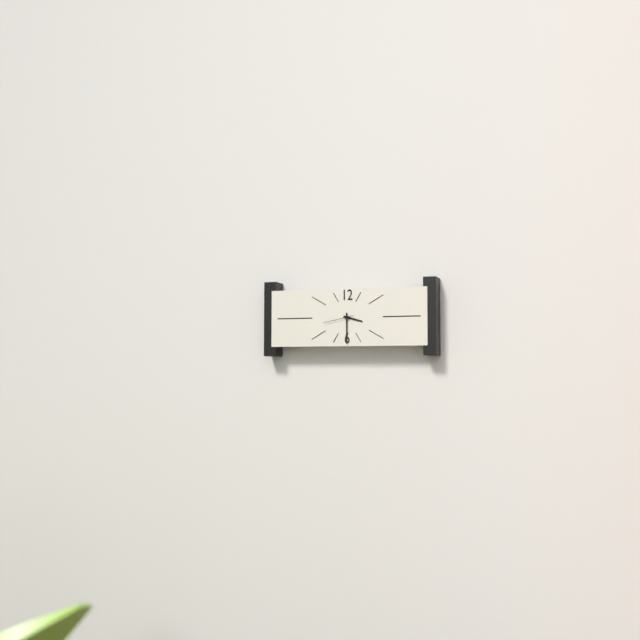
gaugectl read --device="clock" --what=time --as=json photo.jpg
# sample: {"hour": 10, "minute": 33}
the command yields {"hour": 3, "minute": 30}
